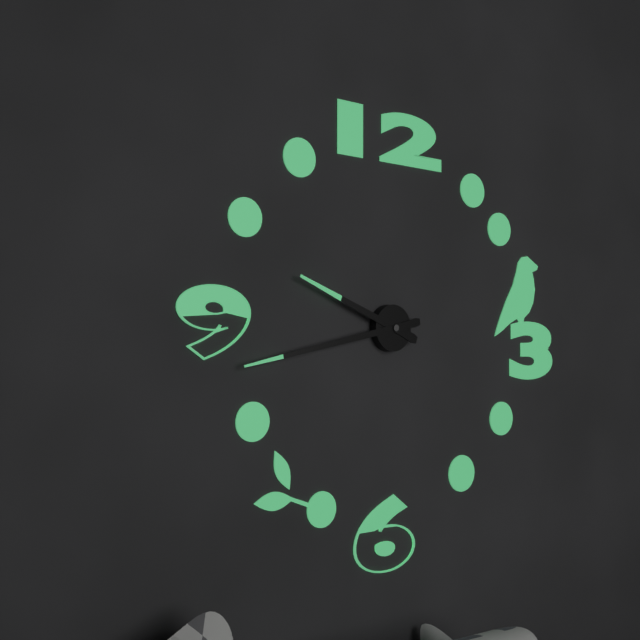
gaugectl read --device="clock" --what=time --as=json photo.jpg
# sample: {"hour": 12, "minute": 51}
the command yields {"hour": 9, "minute": 43}
